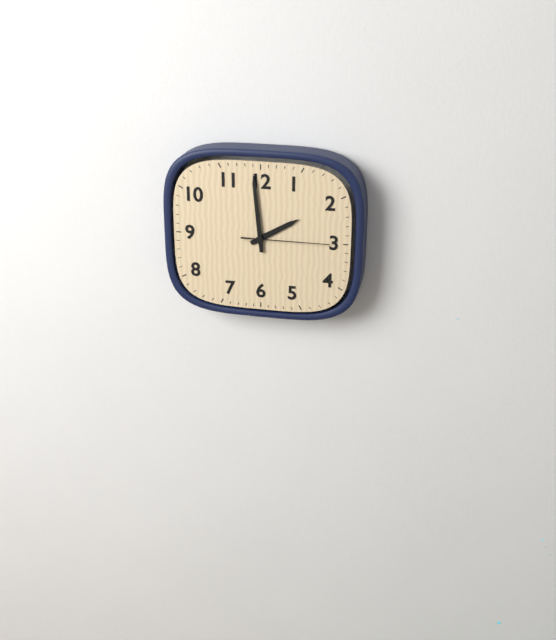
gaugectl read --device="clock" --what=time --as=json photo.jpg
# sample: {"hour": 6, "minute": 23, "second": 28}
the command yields {"hour": 1, "minute": 59, "second": 15}
